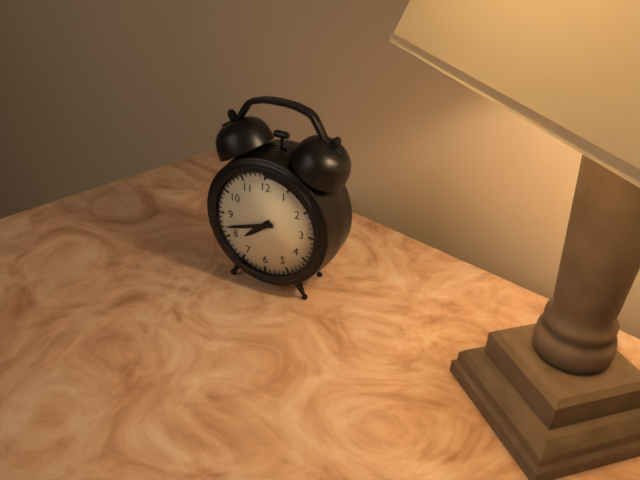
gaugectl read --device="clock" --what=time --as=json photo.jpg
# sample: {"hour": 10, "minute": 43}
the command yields {"hour": 7, "minute": 42}
